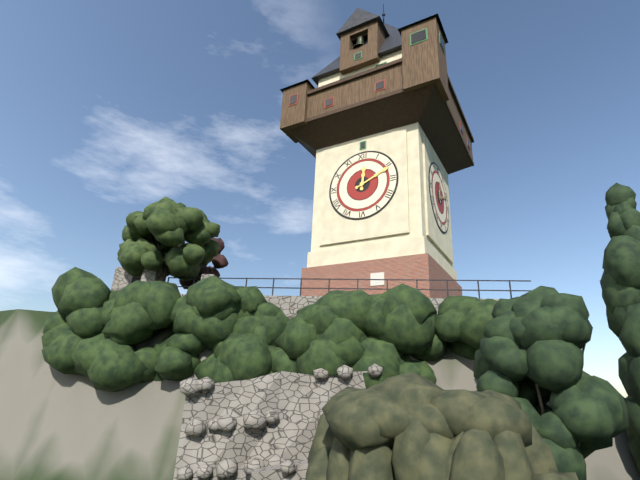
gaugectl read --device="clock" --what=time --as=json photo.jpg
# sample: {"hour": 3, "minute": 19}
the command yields {"hour": 12, "minute": 11}
